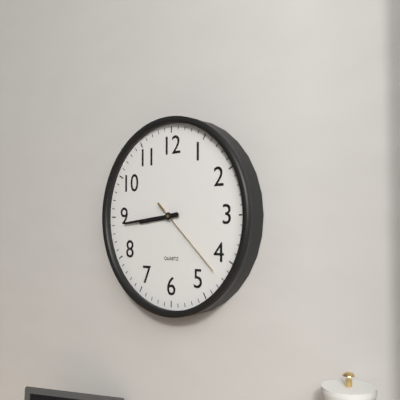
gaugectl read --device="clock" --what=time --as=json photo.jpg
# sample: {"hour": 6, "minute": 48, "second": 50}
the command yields {"hour": 8, "minute": 44, "second": 22}
